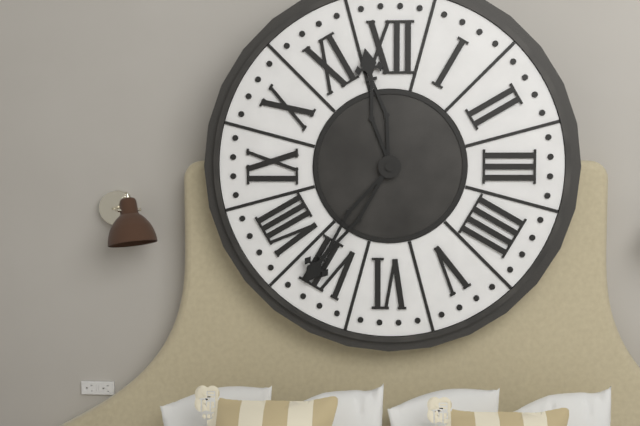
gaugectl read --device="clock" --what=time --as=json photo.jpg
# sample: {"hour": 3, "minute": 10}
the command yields {"hour": 11, "minute": 36}
